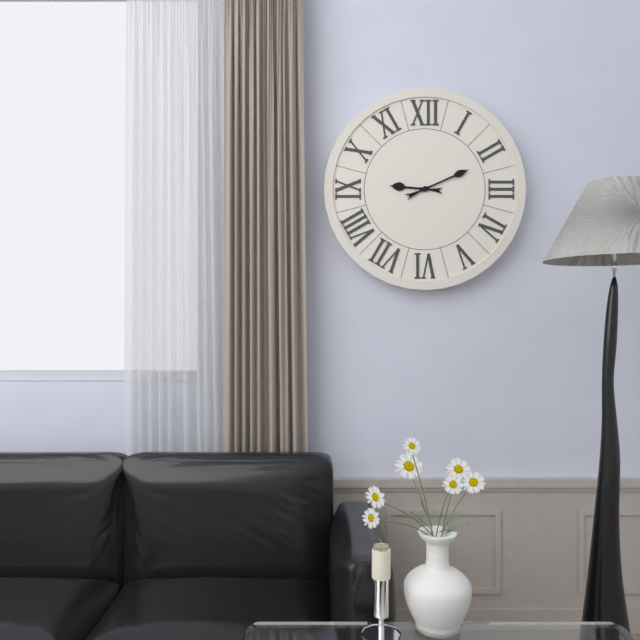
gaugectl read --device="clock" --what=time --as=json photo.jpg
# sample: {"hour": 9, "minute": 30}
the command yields {"hour": 9, "minute": 11}
